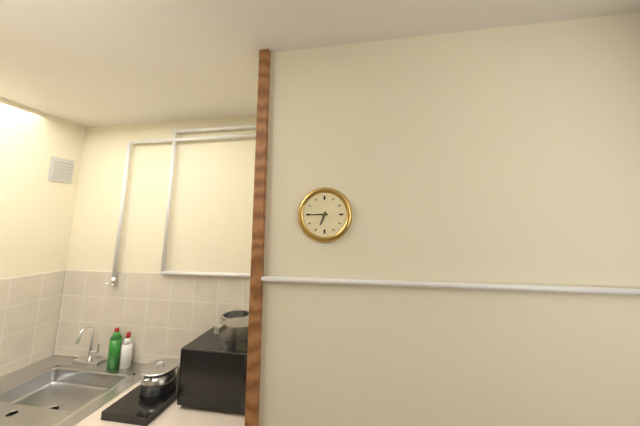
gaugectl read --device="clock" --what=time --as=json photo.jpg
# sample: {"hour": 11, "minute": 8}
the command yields {"hour": 6, "minute": 45}
